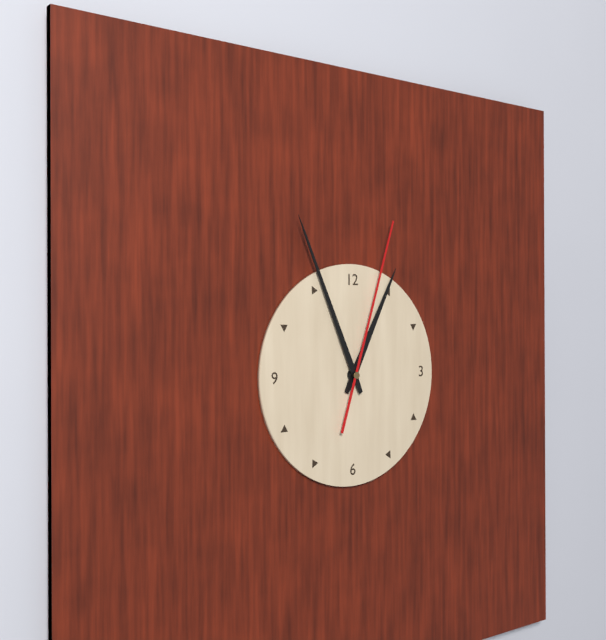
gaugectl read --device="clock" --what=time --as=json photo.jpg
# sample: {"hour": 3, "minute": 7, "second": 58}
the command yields {"hour": 12, "minute": 56, "second": 3}
